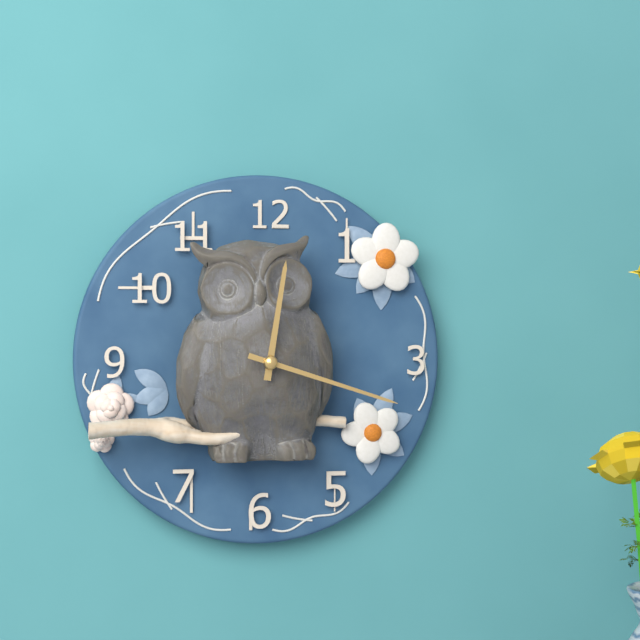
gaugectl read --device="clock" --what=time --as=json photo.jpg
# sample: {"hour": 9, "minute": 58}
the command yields {"hour": 12, "minute": 18}
